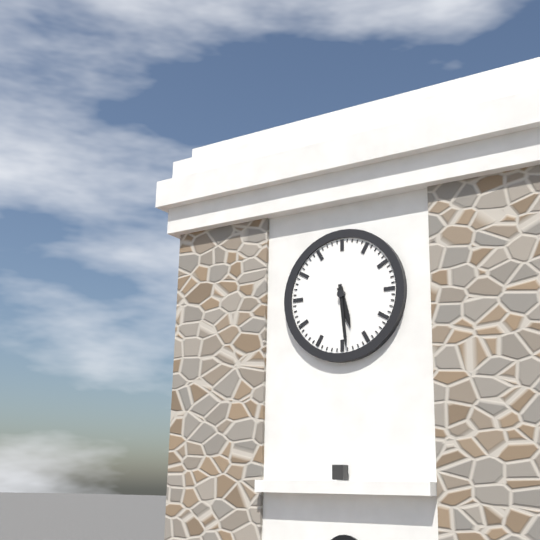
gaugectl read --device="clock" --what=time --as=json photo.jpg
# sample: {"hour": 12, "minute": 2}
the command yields {"hour": 5, "minute": 29}
